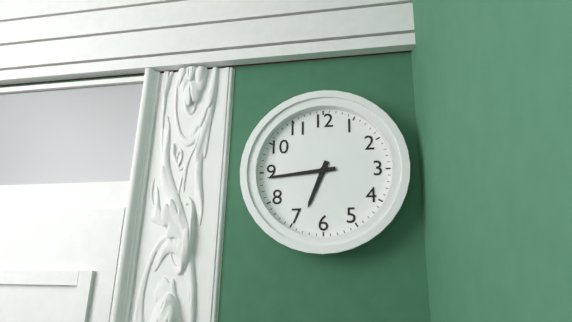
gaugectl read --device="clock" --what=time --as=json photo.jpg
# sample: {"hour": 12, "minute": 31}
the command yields {"hour": 6, "minute": 44}
